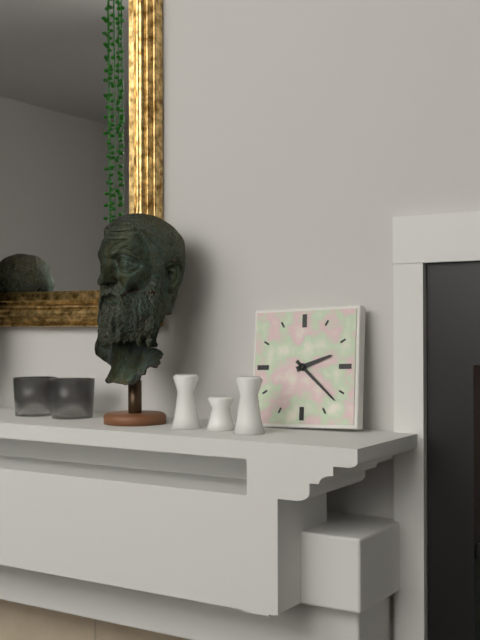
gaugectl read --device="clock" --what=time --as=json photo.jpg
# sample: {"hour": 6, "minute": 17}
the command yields {"hour": 2, "minute": 22}
